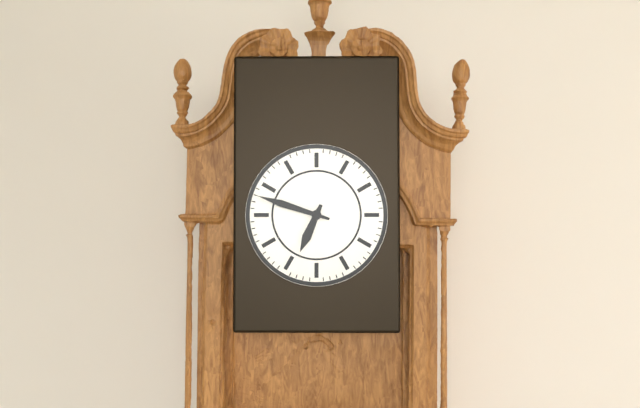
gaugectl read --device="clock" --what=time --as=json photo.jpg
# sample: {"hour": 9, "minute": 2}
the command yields {"hour": 6, "minute": 48}
